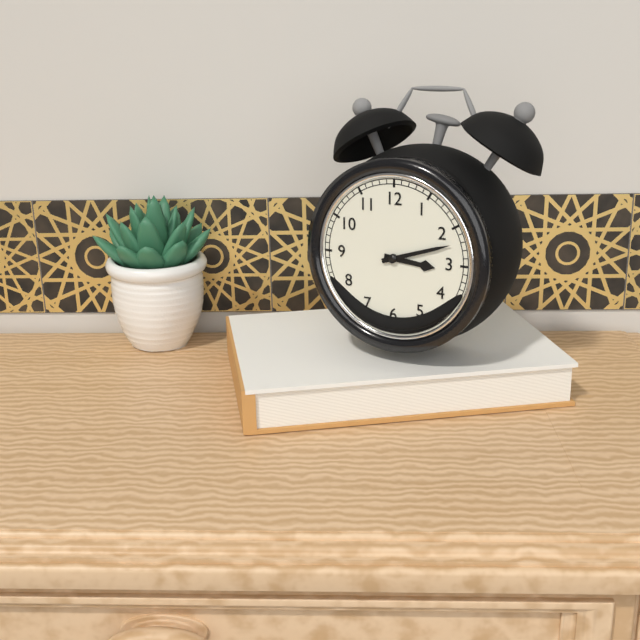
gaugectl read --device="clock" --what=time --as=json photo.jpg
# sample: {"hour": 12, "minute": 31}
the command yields {"hour": 3, "minute": 12}
